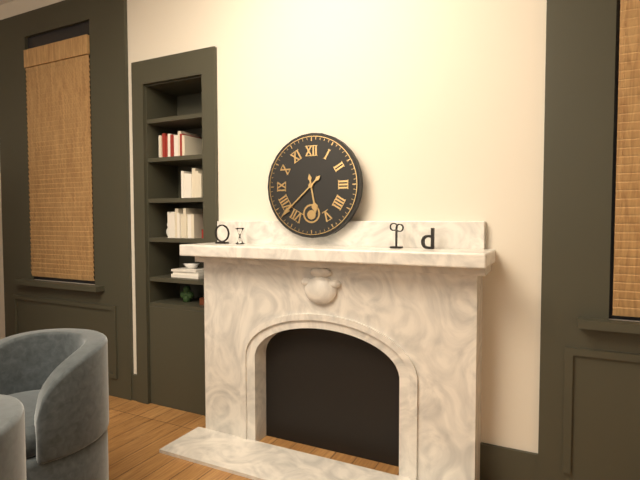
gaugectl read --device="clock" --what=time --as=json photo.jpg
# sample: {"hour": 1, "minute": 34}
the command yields {"hour": 5, "minute": 38}
